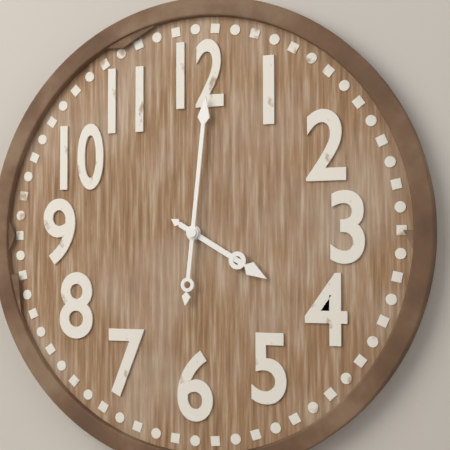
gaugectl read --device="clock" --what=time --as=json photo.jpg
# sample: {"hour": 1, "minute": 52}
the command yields {"hour": 4, "minute": 1}
